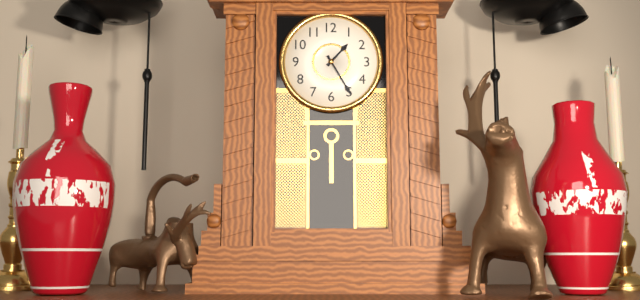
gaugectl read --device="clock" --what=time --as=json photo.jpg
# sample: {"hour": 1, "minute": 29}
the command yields {"hour": 1, "minute": 25}
